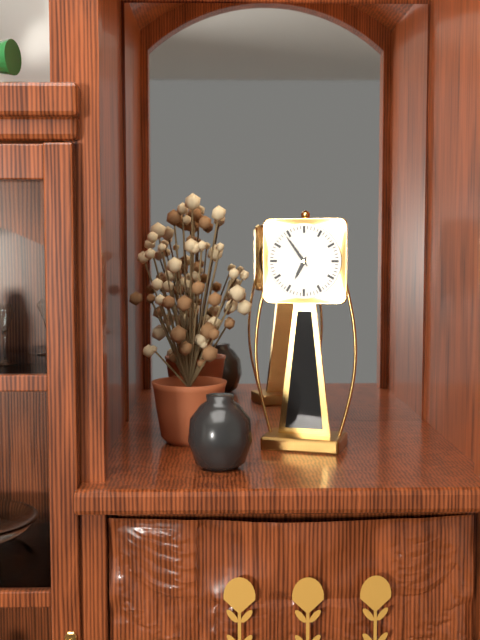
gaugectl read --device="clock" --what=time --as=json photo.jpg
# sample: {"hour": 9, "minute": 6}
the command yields {"hour": 6, "minute": 54}
